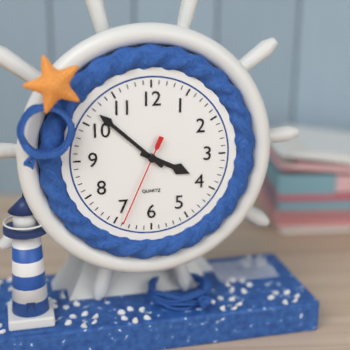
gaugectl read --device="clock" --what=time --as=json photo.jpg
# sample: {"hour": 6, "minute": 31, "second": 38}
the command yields {"hour": 3, "minute": 52, "second": 34}
